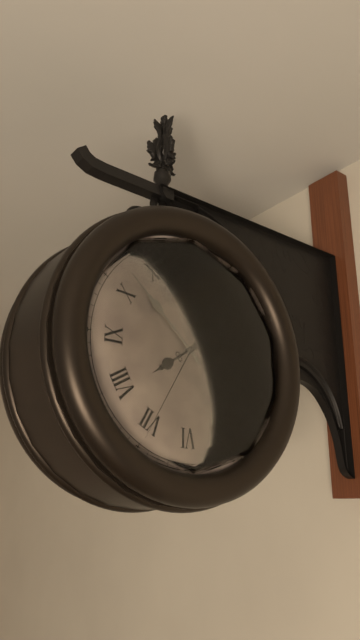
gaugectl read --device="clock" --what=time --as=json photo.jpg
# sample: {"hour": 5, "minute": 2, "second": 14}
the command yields {"hour": 7, "minute": 52, "second": 35}
